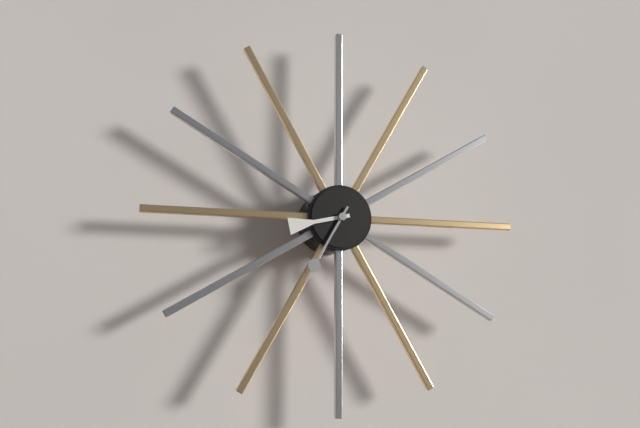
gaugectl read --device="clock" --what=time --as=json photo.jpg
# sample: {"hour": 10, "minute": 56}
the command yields {"hour": 8, "minute": 35}
